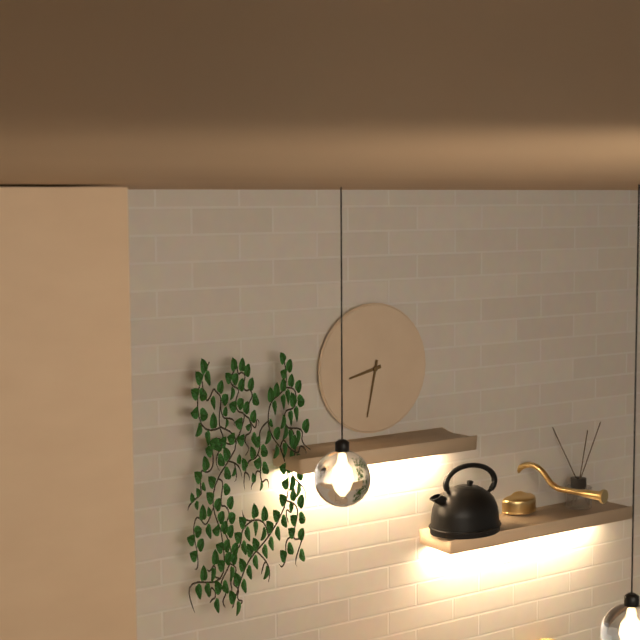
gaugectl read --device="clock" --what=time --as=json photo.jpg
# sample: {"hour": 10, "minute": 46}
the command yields {"hour": 8, "minute": 32}
